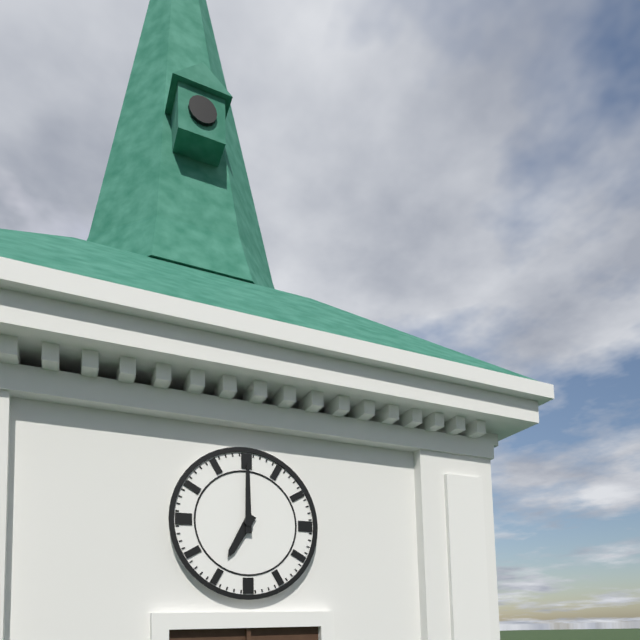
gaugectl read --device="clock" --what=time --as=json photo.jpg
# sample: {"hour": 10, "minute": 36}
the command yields {"hour": 7, "minute": 0}
